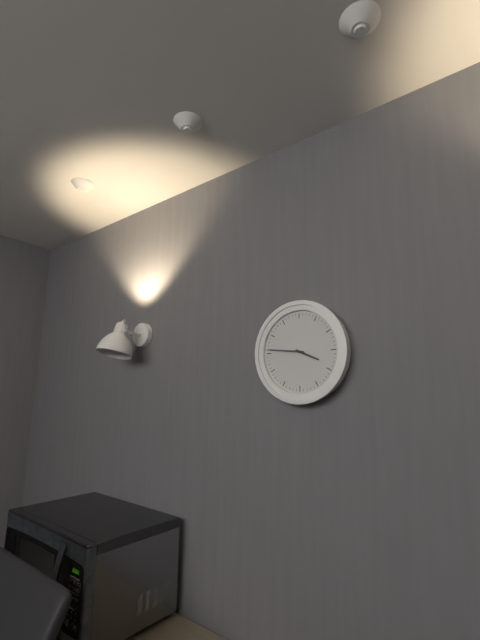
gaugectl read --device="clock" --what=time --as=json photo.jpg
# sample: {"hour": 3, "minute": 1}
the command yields {"hour": 3, "minute": 46}
